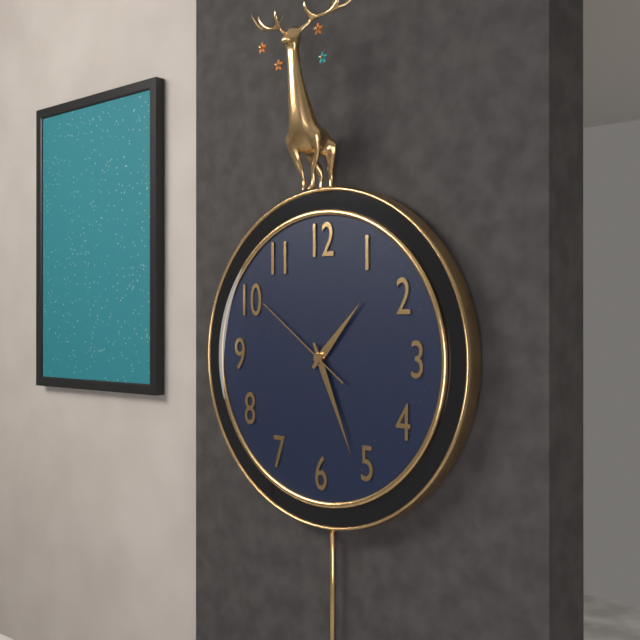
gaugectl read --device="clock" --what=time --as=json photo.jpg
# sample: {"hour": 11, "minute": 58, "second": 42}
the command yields {"hour": 1, "minute": 26, "second": 51}
